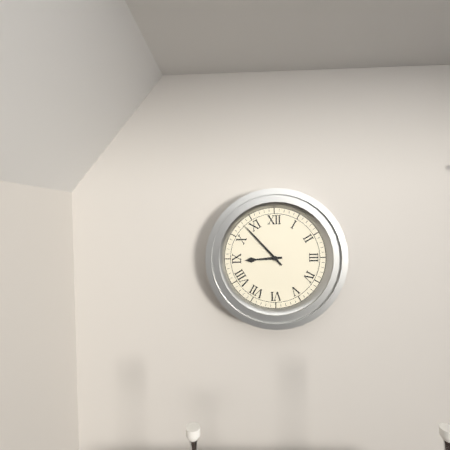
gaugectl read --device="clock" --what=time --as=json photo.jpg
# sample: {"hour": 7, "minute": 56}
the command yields {"hour": 8, "minute": 53}
